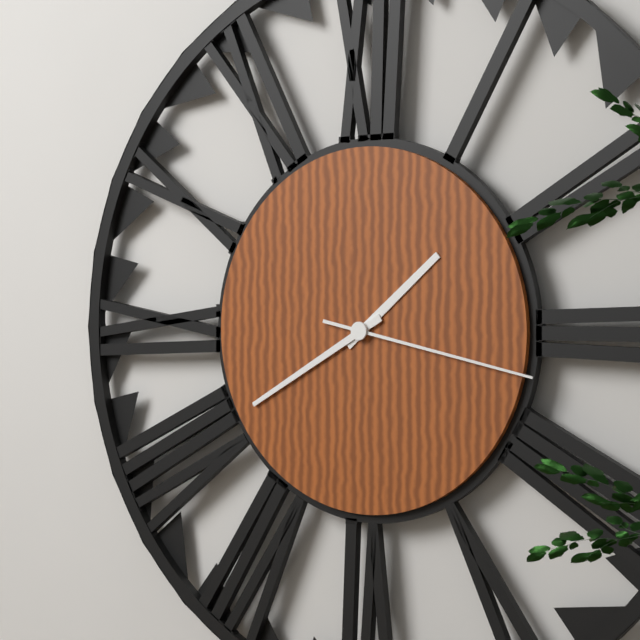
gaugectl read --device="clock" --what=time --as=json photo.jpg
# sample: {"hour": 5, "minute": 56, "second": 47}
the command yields {"hour": 1, "minute": 40, "second": 17}
